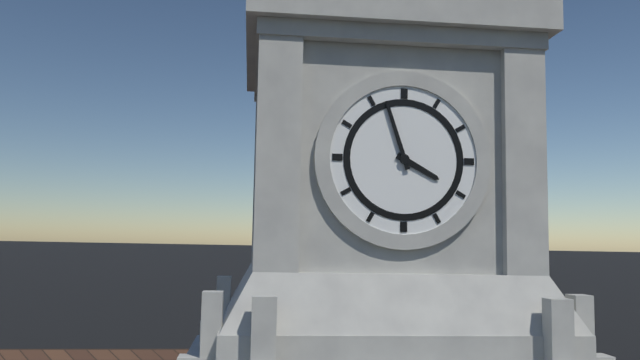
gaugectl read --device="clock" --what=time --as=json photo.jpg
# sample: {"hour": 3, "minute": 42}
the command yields {"hour": 3, "minute": 57}
